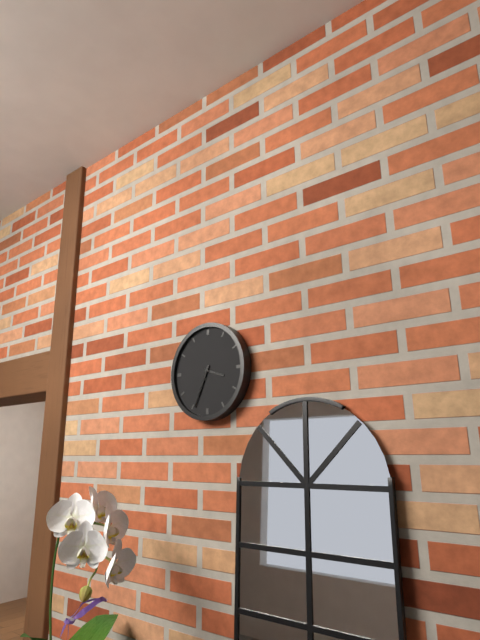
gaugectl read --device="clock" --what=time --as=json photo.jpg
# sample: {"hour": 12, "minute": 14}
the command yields {"hour": 3, "minute": 34}
